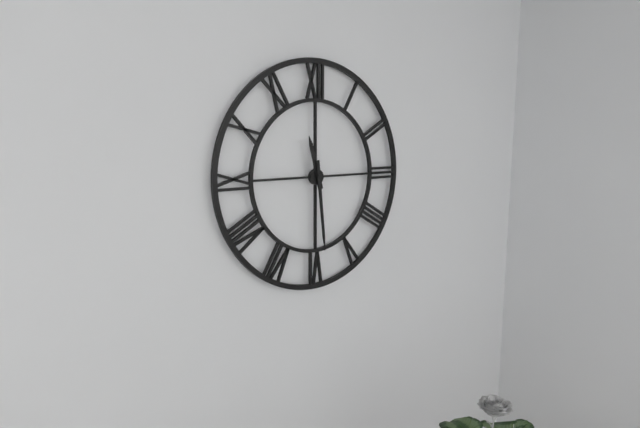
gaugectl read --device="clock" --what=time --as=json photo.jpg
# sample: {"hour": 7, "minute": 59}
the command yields {"hour": 11, "minute": 29}
